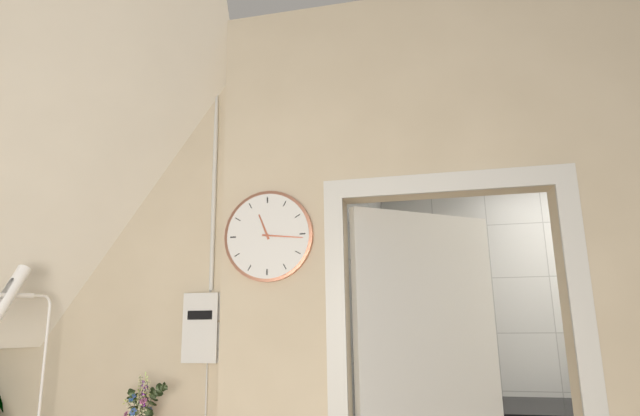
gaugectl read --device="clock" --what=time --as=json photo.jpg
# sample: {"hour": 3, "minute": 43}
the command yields {"hour": 11, "minute": 16}
